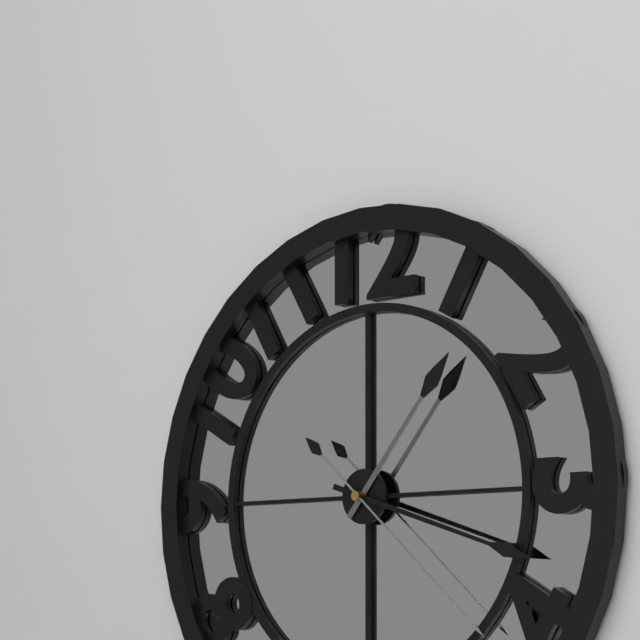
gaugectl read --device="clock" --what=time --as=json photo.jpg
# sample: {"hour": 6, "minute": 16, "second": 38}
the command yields {"hour": 1, "minute": 18, "second": 22}
